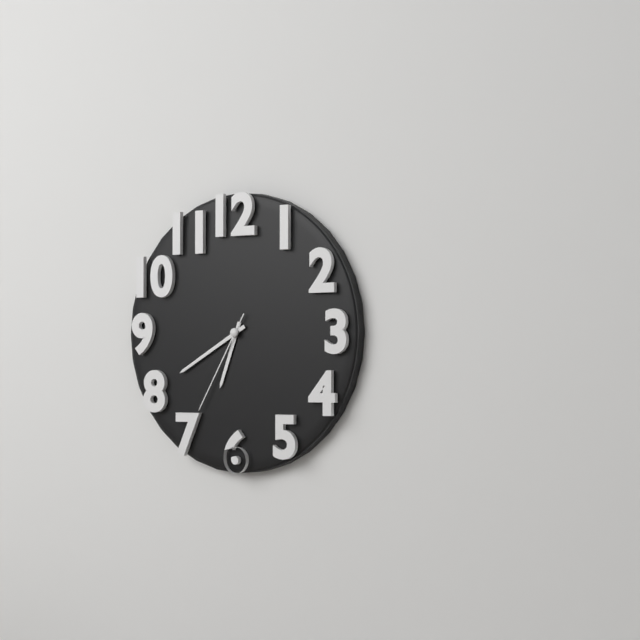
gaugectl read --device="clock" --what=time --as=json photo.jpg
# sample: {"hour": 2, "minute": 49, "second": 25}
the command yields {"hour": 6, "minute": 40, "second": 35}
